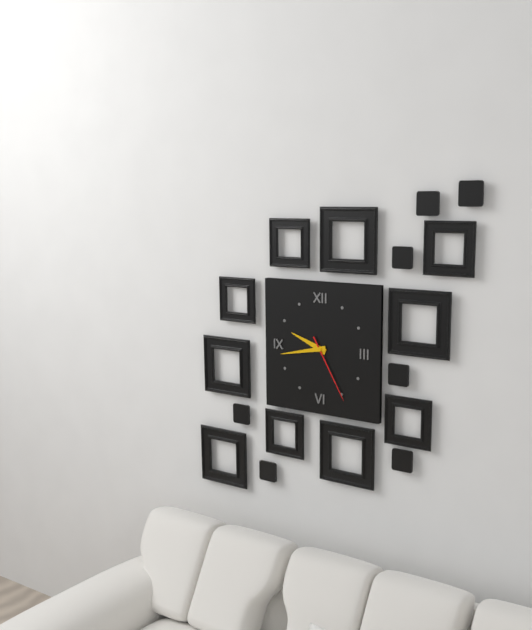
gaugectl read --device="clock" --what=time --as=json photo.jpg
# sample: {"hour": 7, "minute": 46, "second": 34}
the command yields {"hour": 9, "minute": 43, "second": 25}
